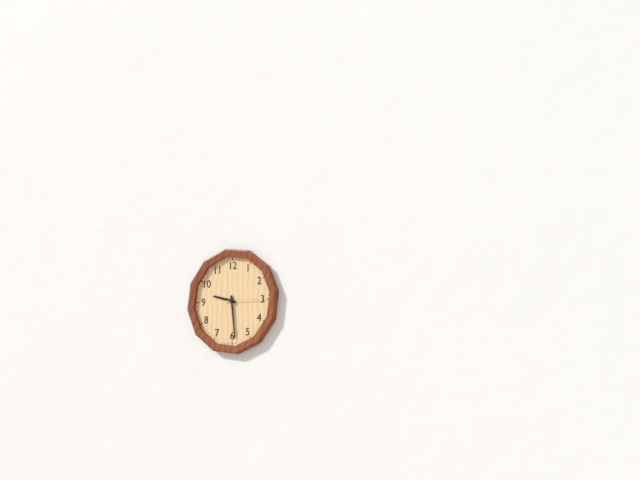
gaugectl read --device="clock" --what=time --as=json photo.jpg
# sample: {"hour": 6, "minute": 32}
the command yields {"hour": 9, "minute": 29}
